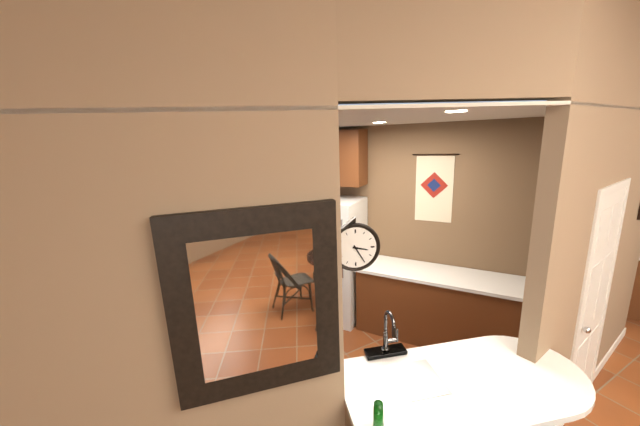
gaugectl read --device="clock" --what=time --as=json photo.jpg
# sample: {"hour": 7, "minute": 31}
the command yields {"hour": 3, "minute": 25}
